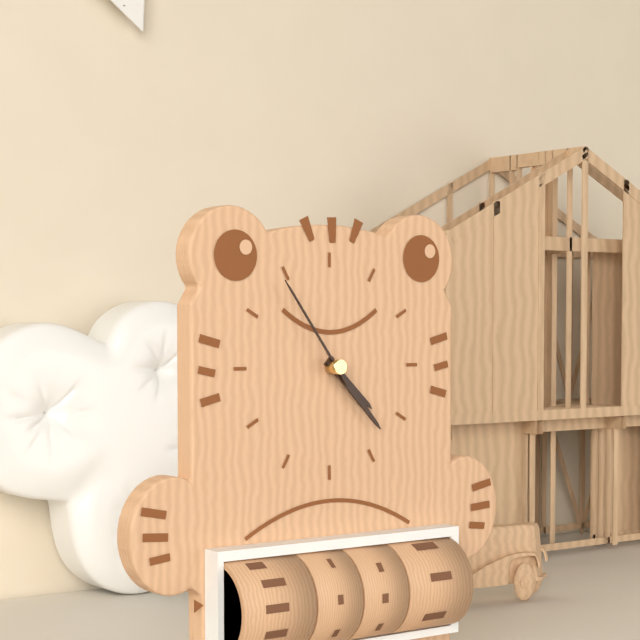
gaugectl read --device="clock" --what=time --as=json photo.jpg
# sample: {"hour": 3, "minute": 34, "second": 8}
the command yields {"hour": 4, "minute": 23, "second": 54}
